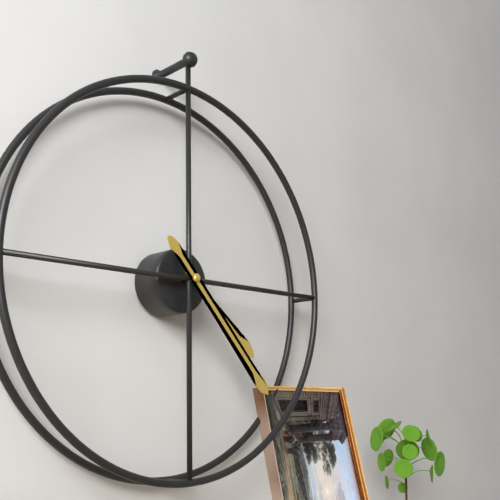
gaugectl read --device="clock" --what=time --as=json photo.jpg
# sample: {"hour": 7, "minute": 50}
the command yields {"hour": 4, "minute": 23}
